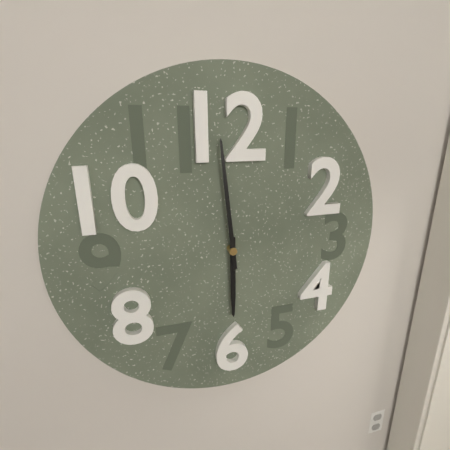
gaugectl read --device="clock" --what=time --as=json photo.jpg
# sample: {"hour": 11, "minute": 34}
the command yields {"hour": 5, "minute": 59}
